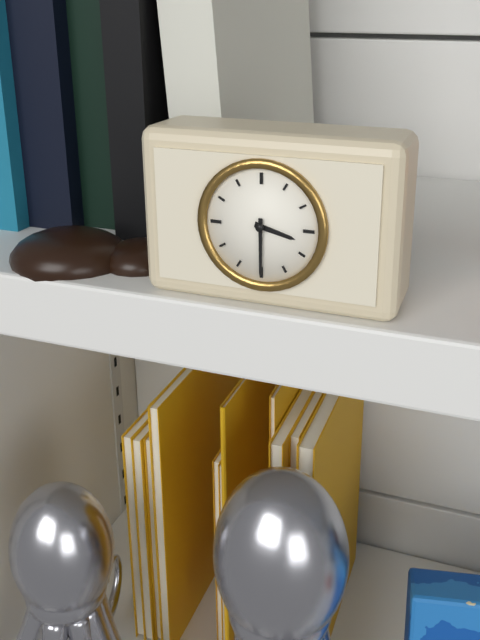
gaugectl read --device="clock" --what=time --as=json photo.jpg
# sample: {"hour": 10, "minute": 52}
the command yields {"hour": 3, "minute": 30}
